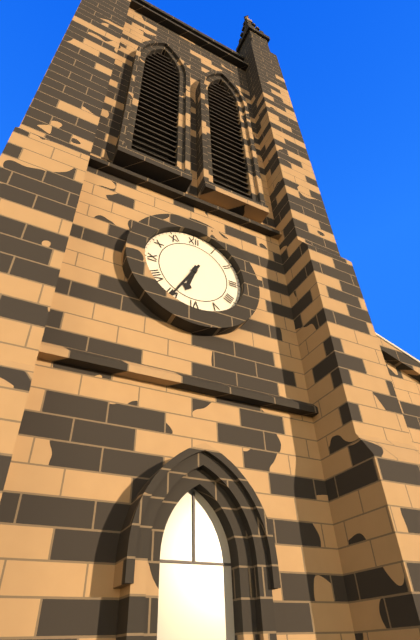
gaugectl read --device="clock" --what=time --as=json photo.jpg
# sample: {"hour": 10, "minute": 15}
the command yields {"hour": 6, "minute": 35}
